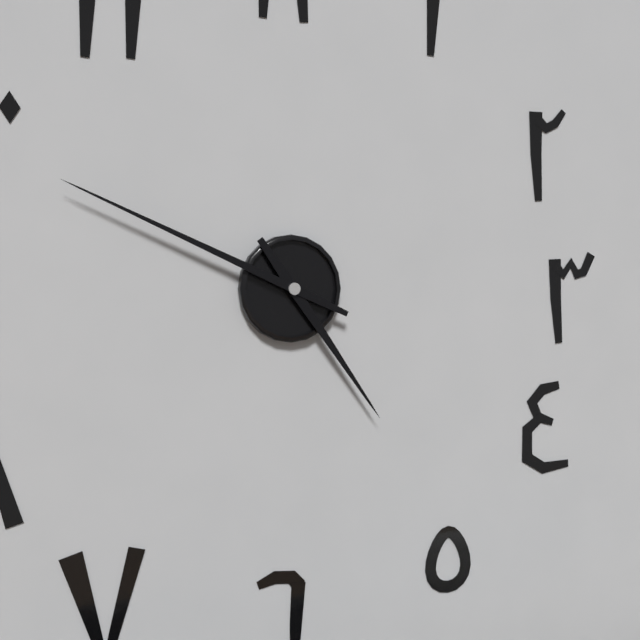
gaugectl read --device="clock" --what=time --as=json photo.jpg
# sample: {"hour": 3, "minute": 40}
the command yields {"hour": 4, "minute": 49}
